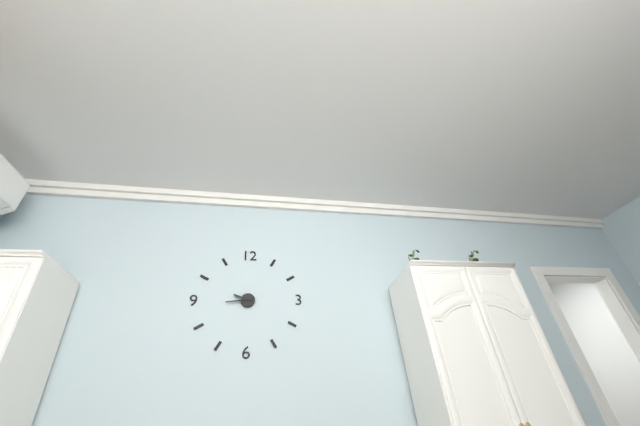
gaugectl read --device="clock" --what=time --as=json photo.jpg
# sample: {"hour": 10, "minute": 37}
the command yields {"hour": 9, "minute": 44}
